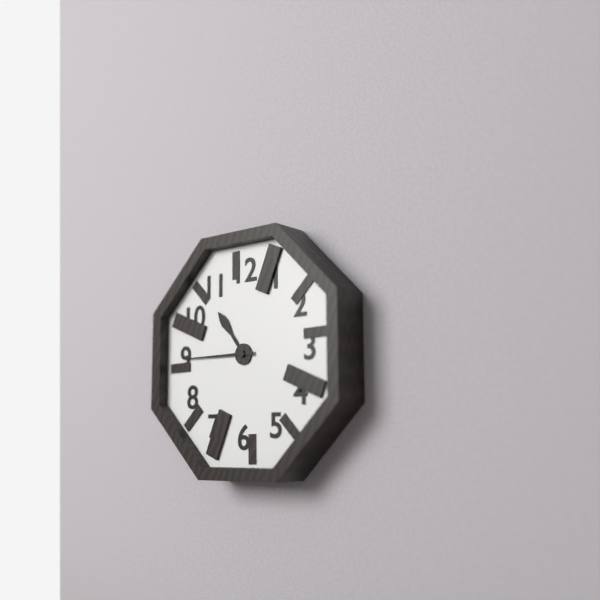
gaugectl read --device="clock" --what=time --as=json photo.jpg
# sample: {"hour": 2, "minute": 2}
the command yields {"hour": 10, "minute": 45}
